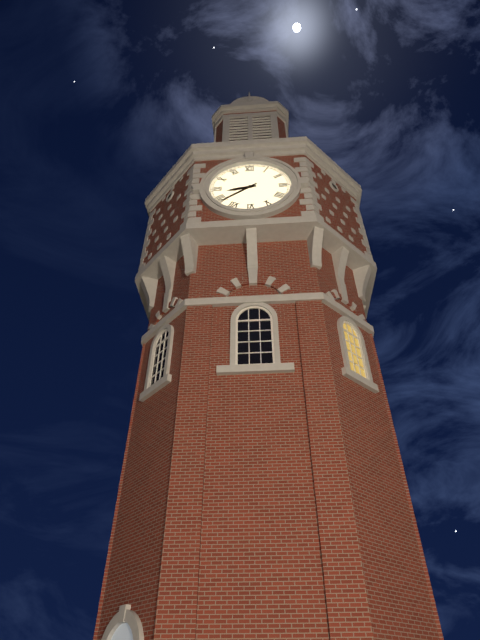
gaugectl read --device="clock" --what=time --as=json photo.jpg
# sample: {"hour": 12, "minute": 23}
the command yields {"hour": 8, "minute": 39}
